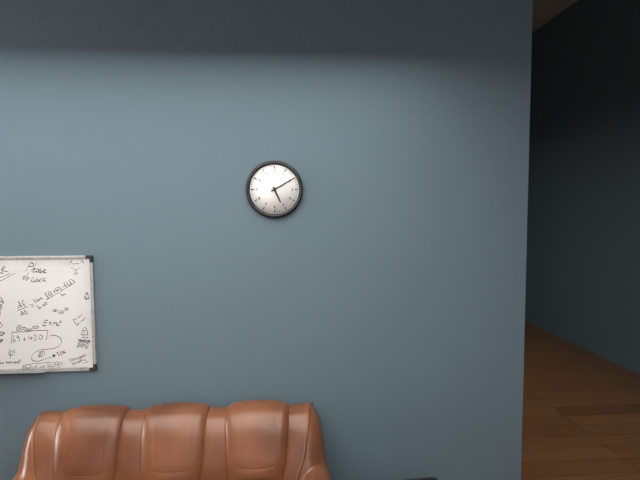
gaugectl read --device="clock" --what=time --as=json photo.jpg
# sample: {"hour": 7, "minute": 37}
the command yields {"hour": 5, "minute": 10}
